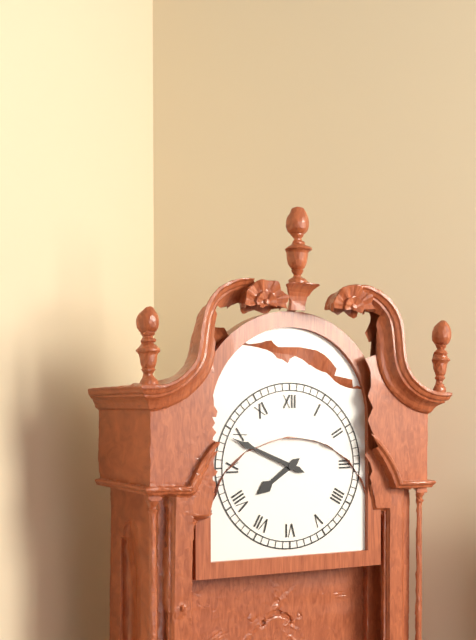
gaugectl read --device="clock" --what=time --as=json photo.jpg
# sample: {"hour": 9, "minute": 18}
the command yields {"hour": 7, "minute": 49}
